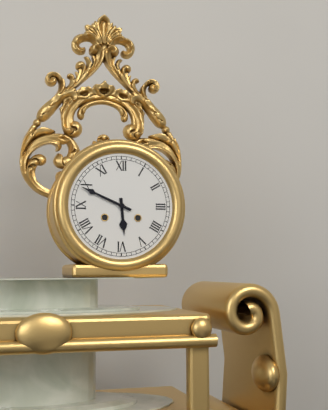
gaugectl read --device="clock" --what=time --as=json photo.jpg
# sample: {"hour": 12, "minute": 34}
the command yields {"hour": 5, "minute": 49}
